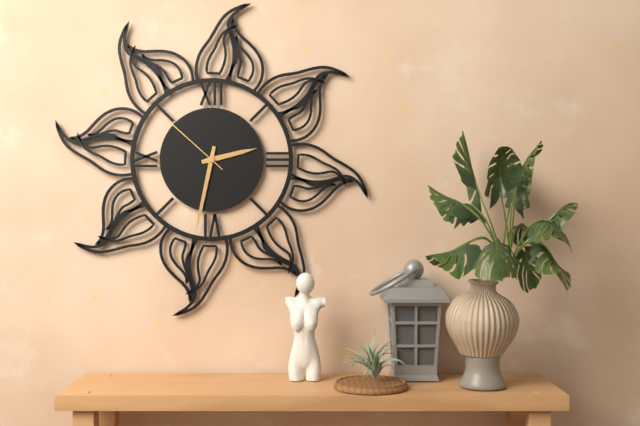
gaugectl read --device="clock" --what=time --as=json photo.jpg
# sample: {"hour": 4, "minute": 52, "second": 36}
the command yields {"hour": 2, "minute": 32, "second": 52}
